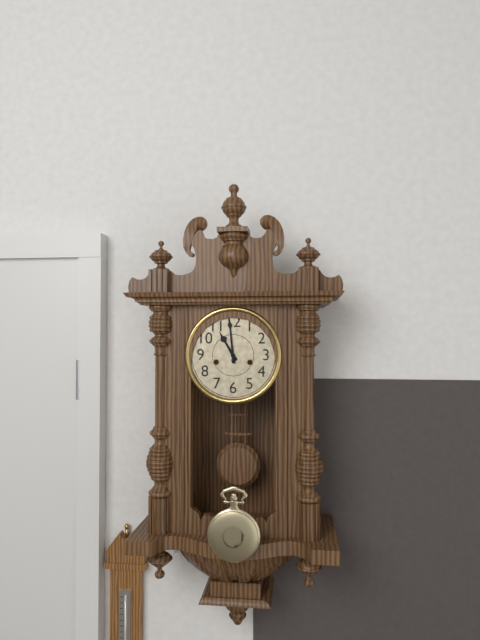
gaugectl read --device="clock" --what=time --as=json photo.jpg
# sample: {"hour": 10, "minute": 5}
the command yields {"hour": 10, "minute": 59}
